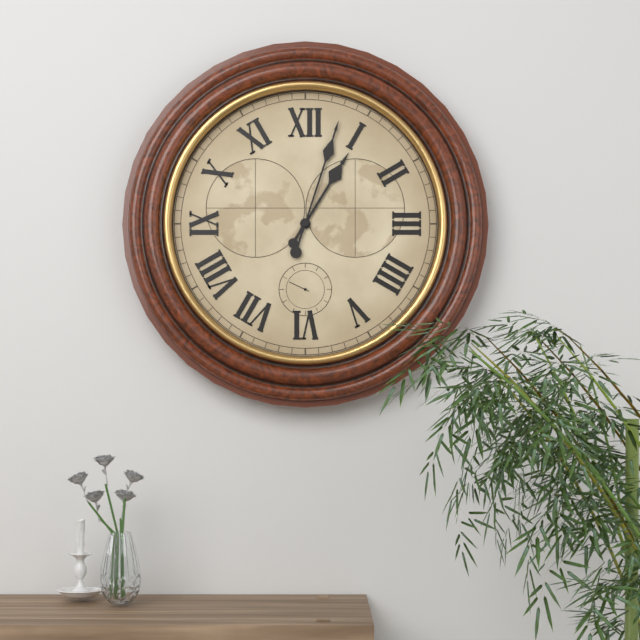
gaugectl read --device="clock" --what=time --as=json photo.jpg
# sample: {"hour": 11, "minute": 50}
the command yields {"hour": 1, "minute": 3}
